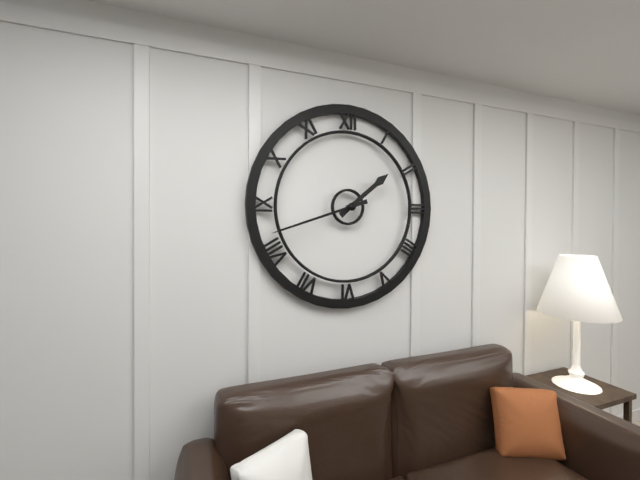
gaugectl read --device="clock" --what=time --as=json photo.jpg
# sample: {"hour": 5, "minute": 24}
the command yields {"hour": 1, "minute": 42}
